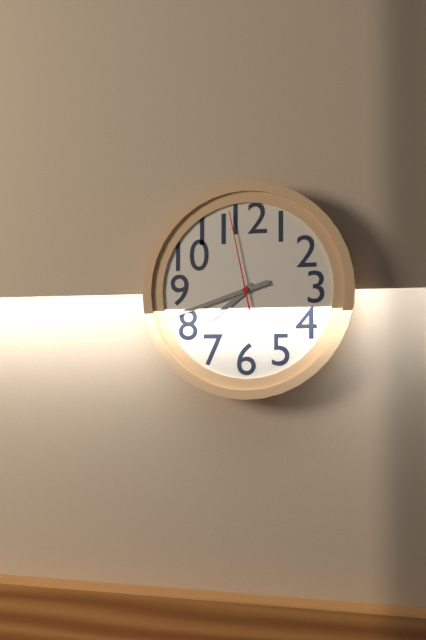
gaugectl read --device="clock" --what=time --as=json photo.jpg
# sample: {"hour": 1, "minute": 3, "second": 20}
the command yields {"hour": 7, "minute": 42, "second": 58}
